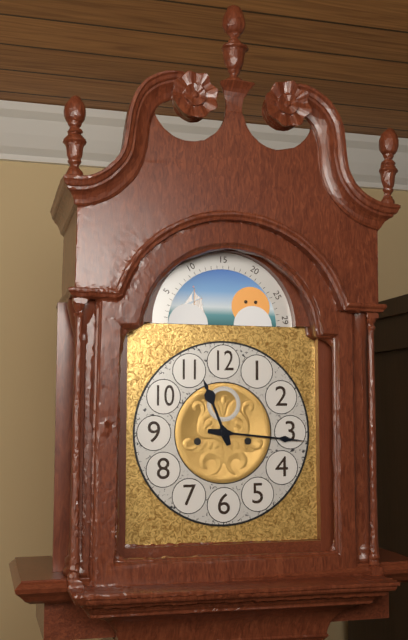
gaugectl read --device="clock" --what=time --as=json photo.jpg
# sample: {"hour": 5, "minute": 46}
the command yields {"hour": 11, "minute": 16}
